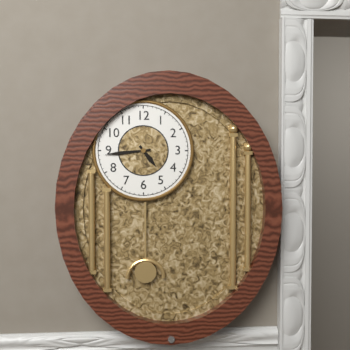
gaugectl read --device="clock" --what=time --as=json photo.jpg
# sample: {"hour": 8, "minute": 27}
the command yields {"hour": 4, "minute": 44}
